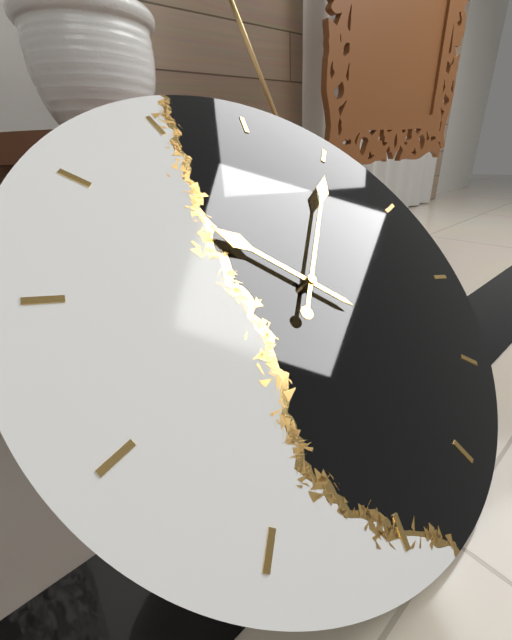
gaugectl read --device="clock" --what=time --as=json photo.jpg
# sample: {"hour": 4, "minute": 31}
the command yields {"hour": 11, "minute": 10}
